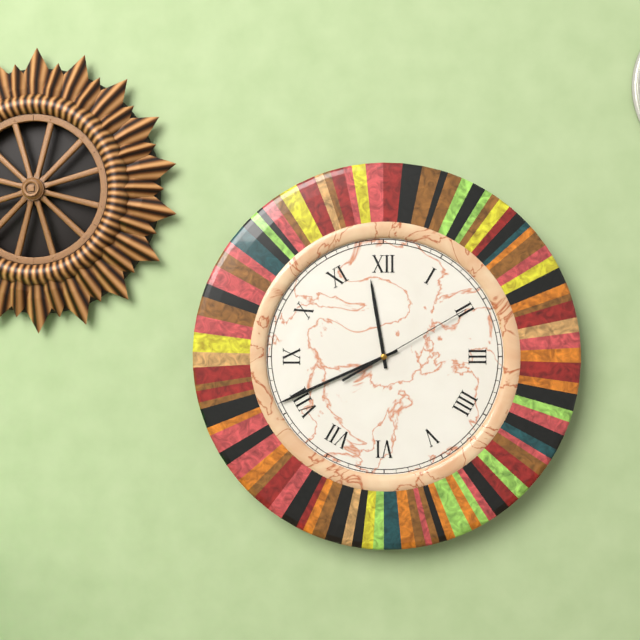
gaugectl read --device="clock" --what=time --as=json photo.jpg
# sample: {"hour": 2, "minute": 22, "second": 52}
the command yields {"hour": 11, "minute": 41, "second": 10}
